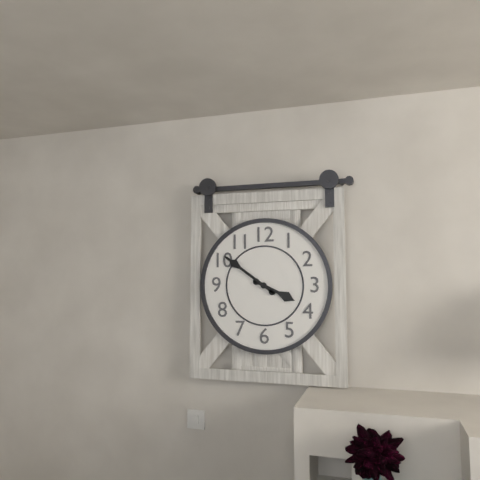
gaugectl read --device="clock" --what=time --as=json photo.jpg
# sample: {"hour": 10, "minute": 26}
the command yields {"hour": 3, "minute": 51}
